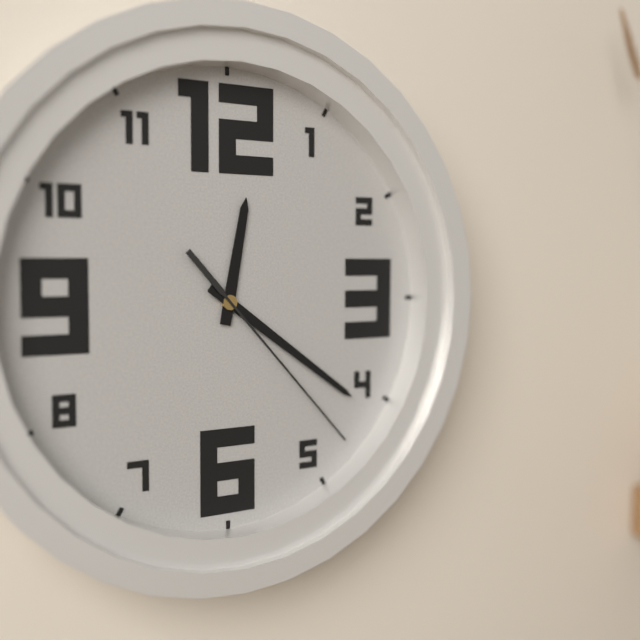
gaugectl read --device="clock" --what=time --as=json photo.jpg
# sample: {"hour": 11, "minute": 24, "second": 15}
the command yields {"hour": 12, "minute": 21, "second": 23}
